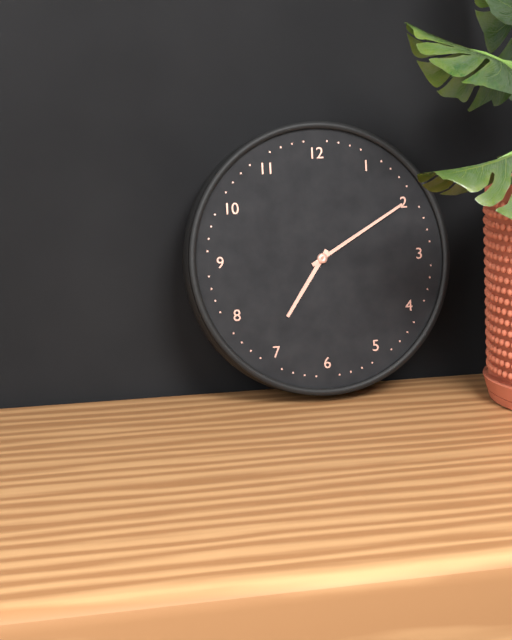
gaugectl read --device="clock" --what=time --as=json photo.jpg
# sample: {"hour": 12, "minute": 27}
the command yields {"hour": 7, "minute": 10}
